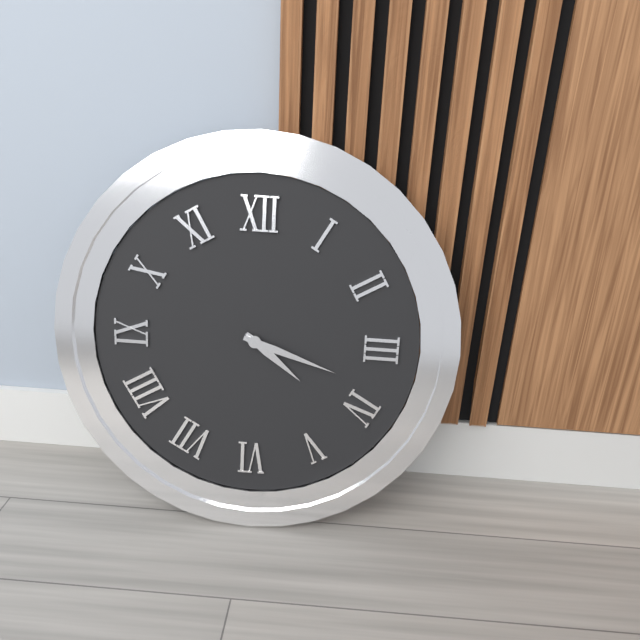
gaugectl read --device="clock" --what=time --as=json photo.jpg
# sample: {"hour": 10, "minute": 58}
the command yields {"hour": 4, "minute": 18}
